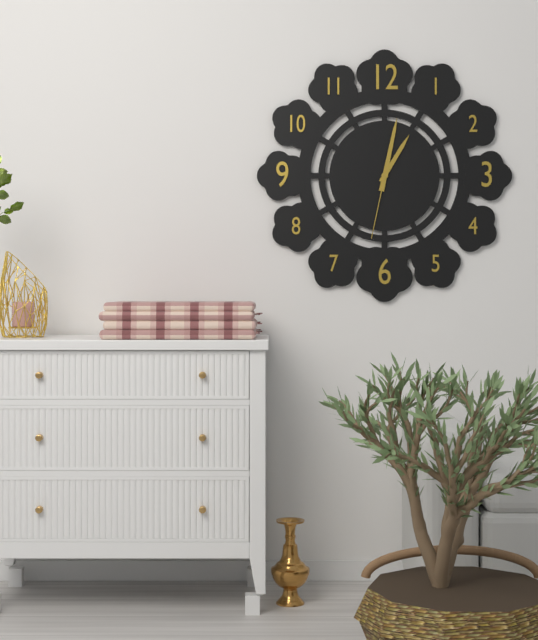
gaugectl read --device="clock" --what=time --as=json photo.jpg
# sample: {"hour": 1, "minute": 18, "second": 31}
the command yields {"hour": 1, "minute": 2, "second": 32}
